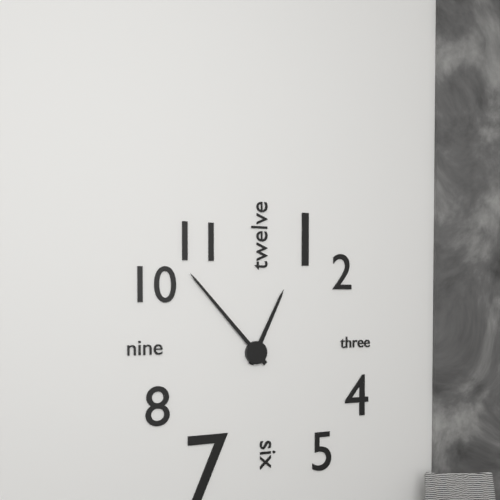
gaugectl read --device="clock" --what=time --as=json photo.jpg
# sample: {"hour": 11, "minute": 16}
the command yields {"hour": 12, "minute": 53}
